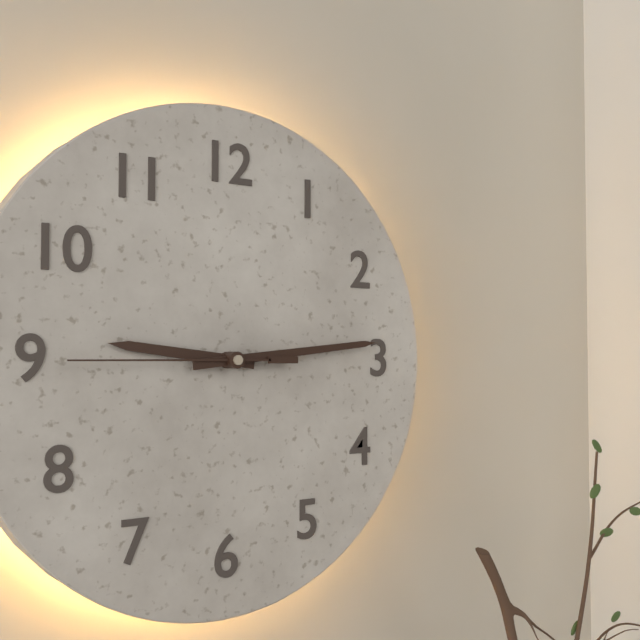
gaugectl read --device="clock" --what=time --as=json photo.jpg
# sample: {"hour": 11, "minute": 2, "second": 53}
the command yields {"hour": 9, "minute": 14, "second": 45}
